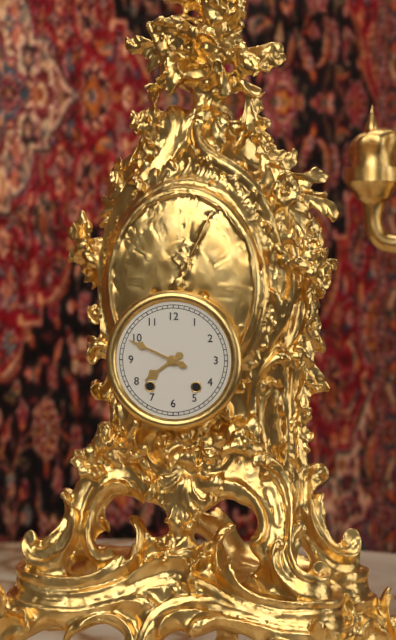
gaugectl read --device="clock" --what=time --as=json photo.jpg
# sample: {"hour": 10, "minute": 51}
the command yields {"hour": 7, "minute": 49}
